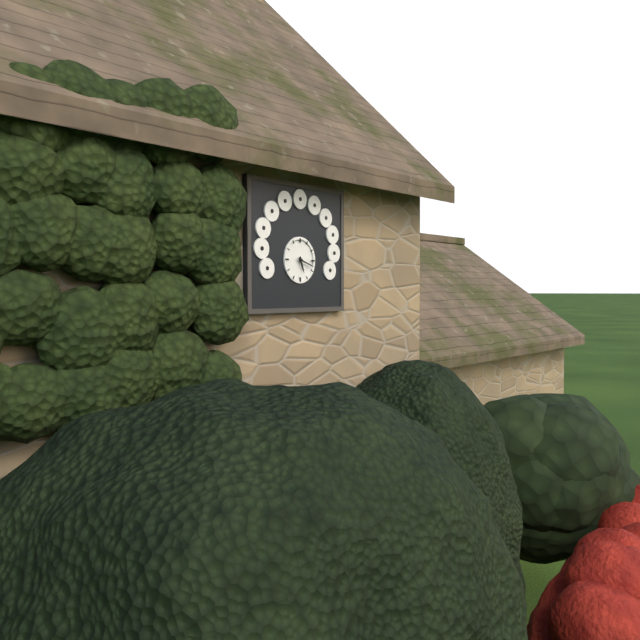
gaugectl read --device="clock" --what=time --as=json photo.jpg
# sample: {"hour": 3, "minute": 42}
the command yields {"hour": 5, "minute": 18}
